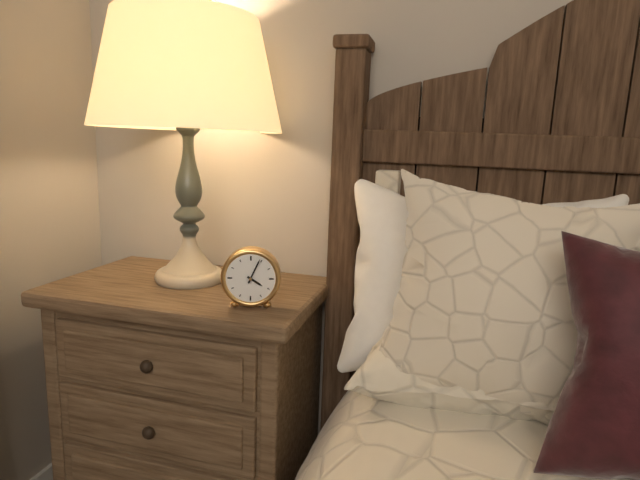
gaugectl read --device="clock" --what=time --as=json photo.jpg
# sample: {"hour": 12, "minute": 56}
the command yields {"hour": 4, "minute": 4}
